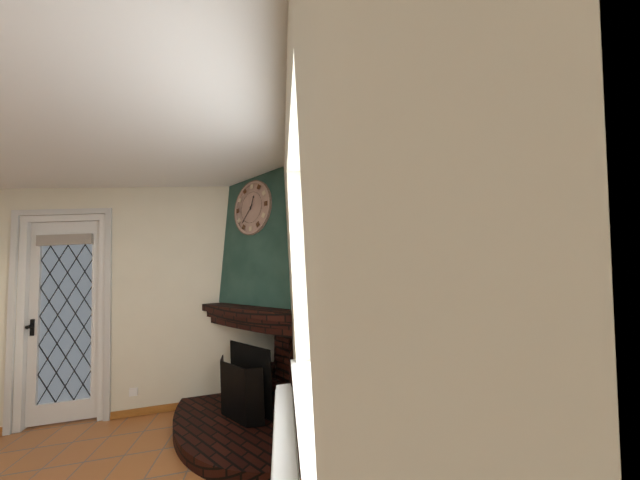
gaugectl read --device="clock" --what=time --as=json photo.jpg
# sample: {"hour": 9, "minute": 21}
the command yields {"hour": 12, "minute": 37}
